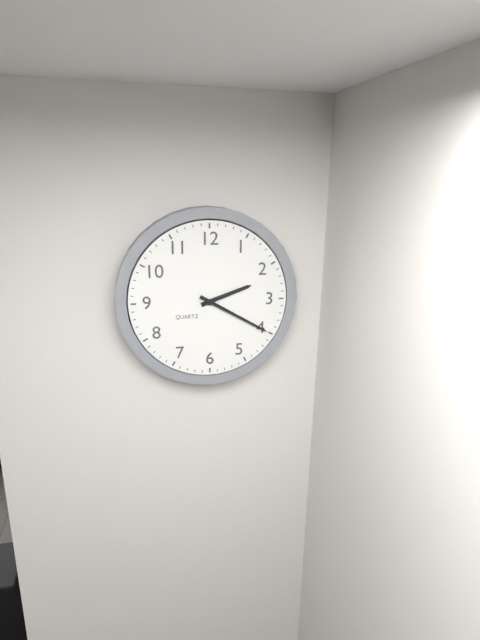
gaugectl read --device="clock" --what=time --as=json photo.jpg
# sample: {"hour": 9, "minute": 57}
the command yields {"hour": 2, "minute": 20}
